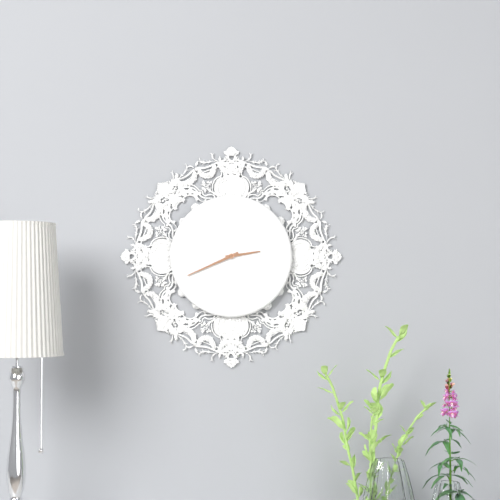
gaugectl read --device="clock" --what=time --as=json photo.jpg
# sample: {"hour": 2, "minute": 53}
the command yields {"hour": 2, "minute": 41}
